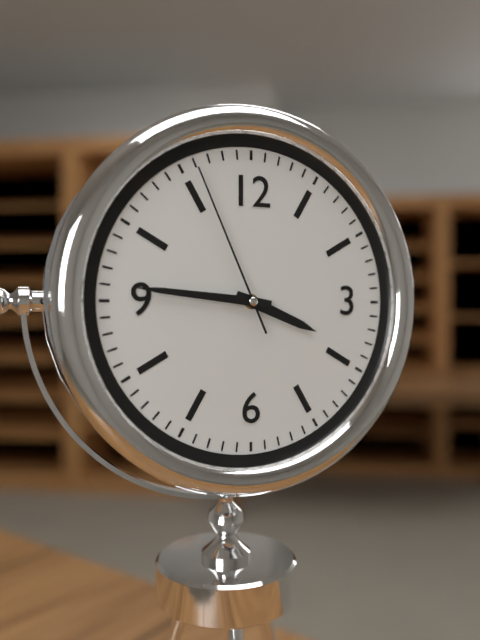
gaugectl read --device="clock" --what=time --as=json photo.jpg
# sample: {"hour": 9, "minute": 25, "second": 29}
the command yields {"hour": 3, "minute": 46, "second": 56}
